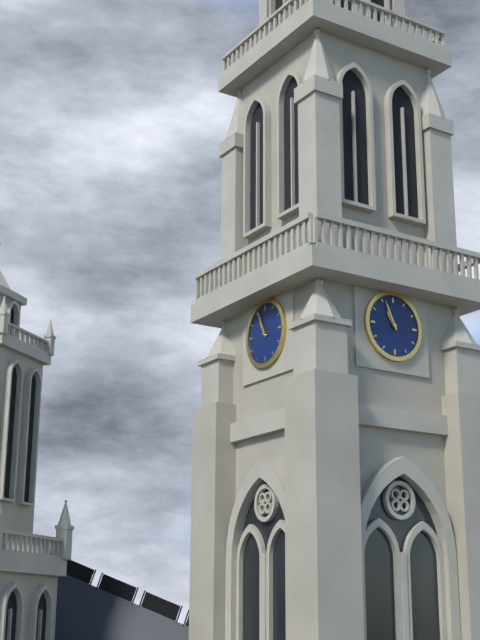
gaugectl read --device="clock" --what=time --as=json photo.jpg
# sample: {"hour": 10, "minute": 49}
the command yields {"hour": 10, "minute": 56}
